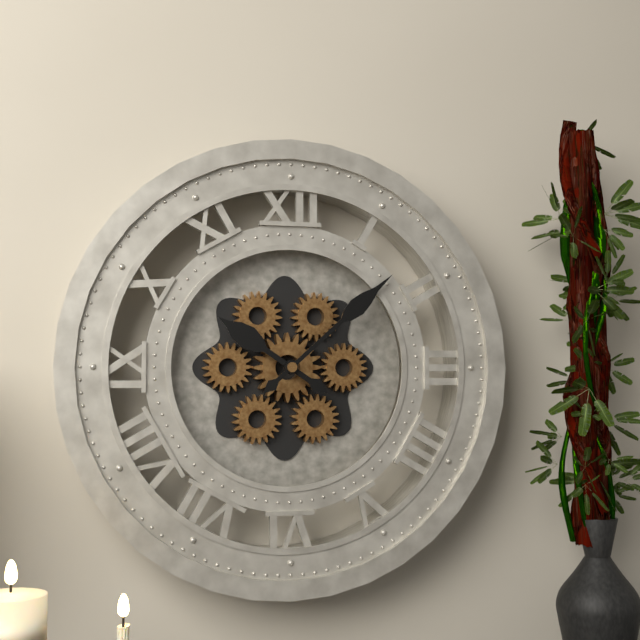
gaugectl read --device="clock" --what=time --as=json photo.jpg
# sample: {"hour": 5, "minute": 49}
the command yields {"hour": 10, "minute": 8}
